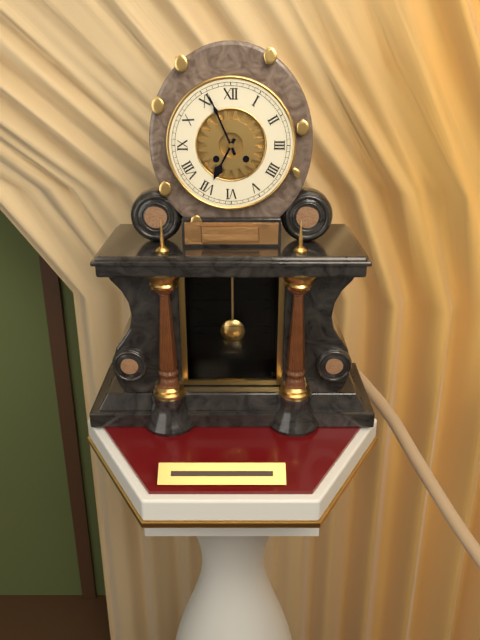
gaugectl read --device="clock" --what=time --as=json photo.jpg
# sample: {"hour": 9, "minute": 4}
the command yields {"hour": 6, "minute": 56}
